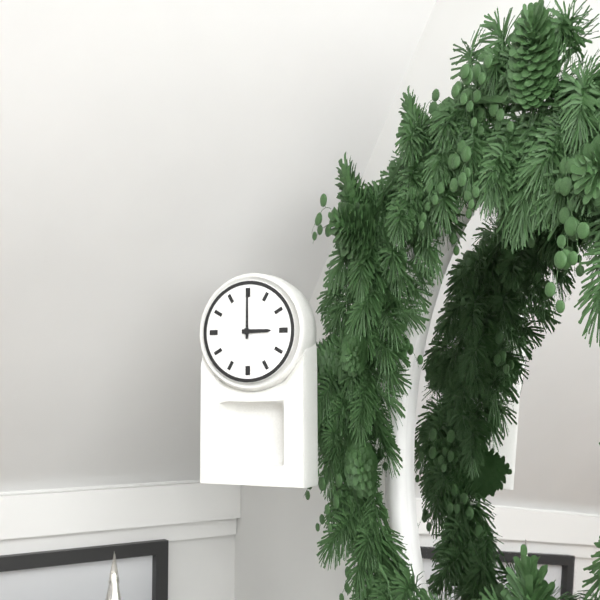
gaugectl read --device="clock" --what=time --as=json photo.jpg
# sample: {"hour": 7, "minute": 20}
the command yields {"hour": 3, "minute": 0}
